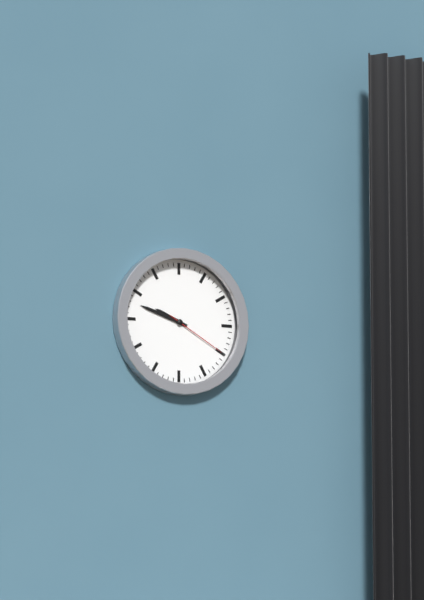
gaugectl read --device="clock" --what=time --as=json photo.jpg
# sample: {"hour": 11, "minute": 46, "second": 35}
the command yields {"hour": 9, "minute": 48, "second": 20}
